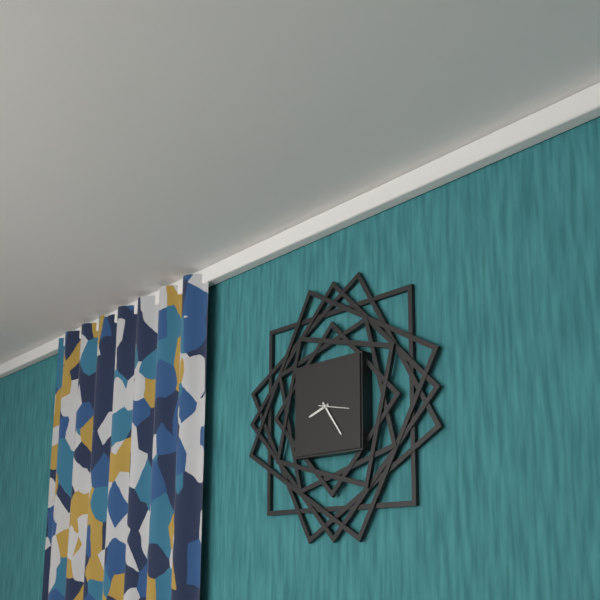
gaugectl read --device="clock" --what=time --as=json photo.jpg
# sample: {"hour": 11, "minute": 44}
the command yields {"hour": 8, "minute": 24}
